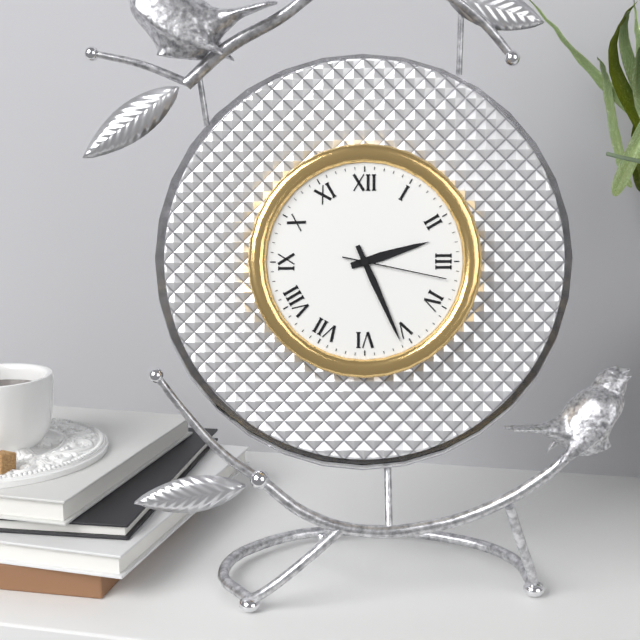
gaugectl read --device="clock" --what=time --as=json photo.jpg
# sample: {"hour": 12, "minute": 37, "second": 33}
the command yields {"hour": 2, "minute": 26, "second": 17}
